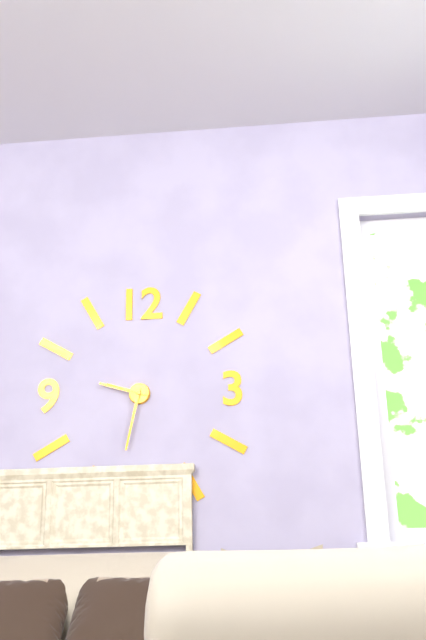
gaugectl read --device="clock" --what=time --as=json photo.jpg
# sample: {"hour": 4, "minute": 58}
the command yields {"hour": 9, "minute": 32}
